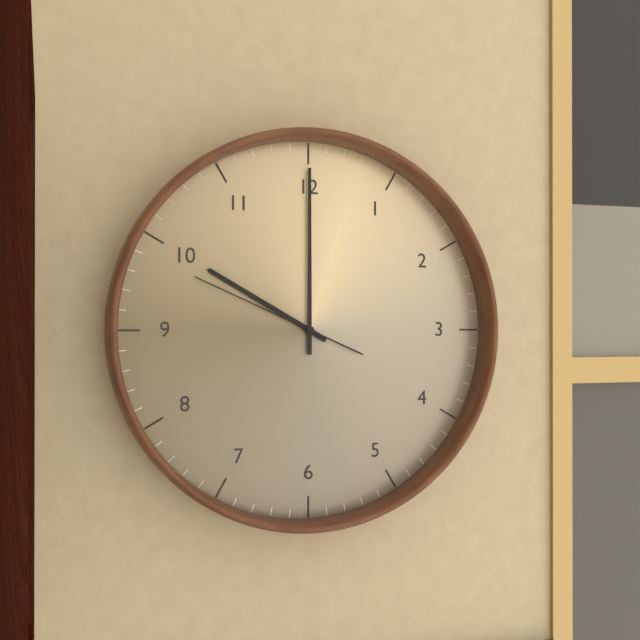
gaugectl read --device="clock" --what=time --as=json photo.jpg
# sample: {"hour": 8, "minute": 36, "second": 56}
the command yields {"hour": 10, "minute": 0, "second": 49}
